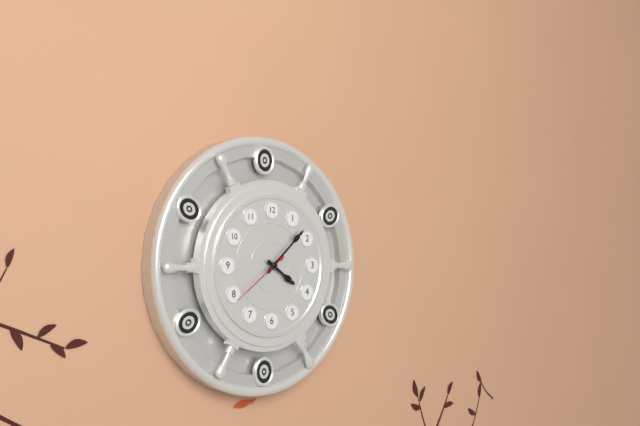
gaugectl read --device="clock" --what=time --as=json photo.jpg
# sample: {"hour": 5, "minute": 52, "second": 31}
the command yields {"hour": 4, "minute": 8, "second": 39}
